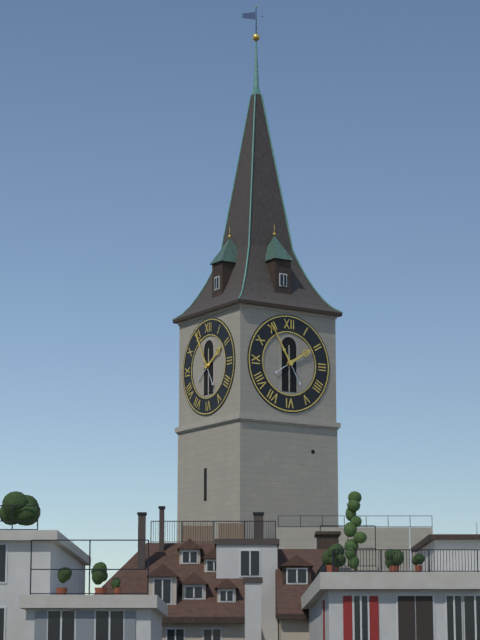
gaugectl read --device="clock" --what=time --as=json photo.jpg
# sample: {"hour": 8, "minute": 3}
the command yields {"hour": 1, "minute": 55}
